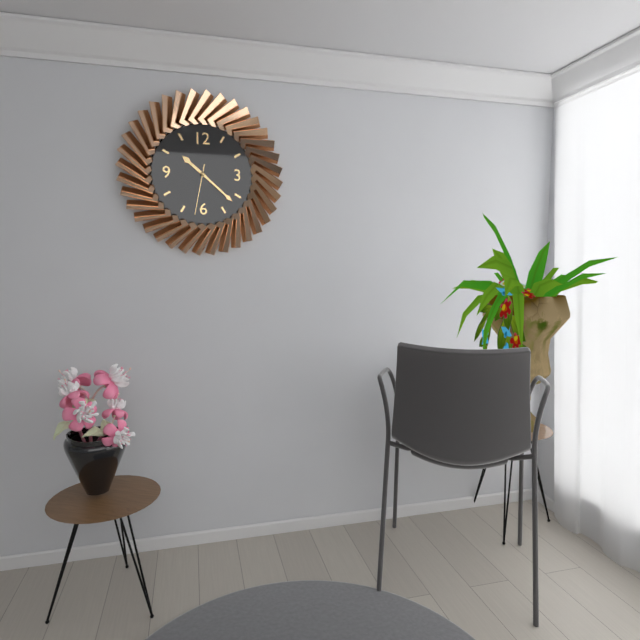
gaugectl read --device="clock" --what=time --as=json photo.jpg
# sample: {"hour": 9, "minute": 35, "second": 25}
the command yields {"hour": 10, "minute": 22, "second": 32}
